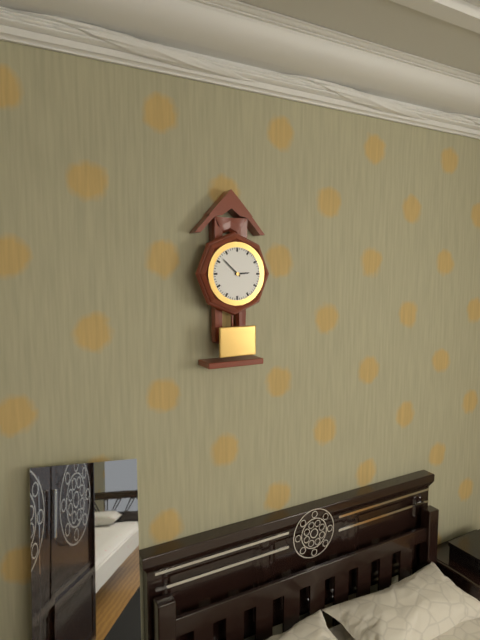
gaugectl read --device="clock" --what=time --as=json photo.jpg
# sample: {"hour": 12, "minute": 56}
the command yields {"hour": 2, "minute": 52}
